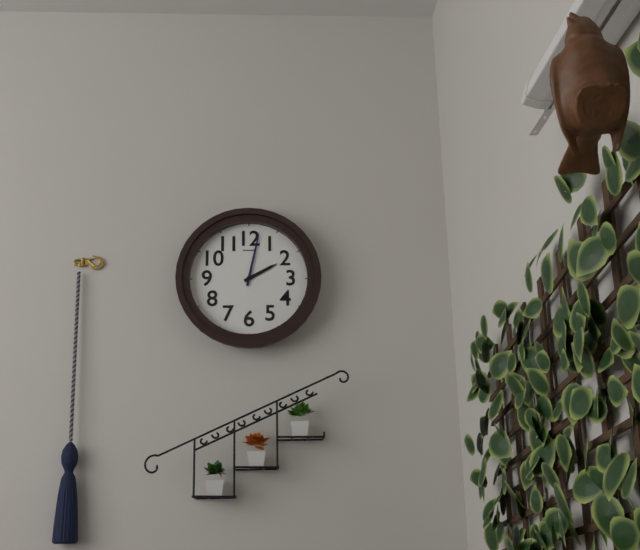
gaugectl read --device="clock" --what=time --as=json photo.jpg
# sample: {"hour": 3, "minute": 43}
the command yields {"hour": 2, "minute": 2}
